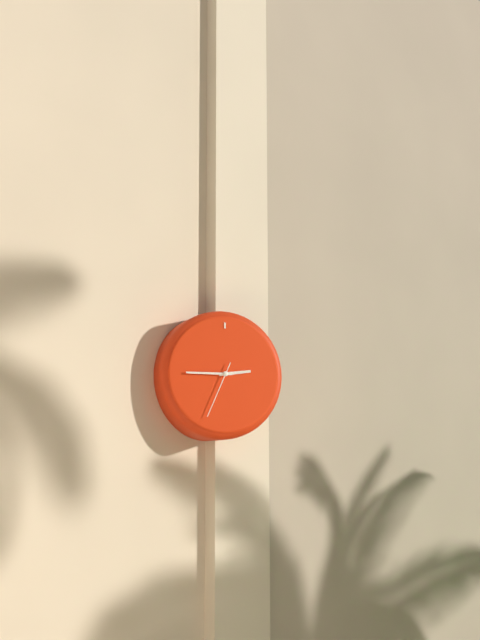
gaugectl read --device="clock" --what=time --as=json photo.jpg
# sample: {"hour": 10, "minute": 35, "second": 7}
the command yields {"hour": 2, "minute": 45, "second": 34}
